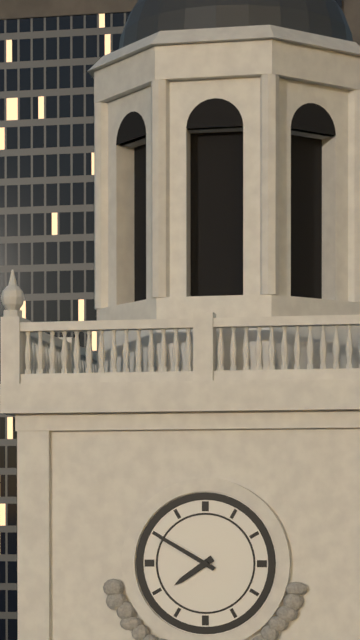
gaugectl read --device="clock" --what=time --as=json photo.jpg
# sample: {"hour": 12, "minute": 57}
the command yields {"hour": 7, "minute": 50}
